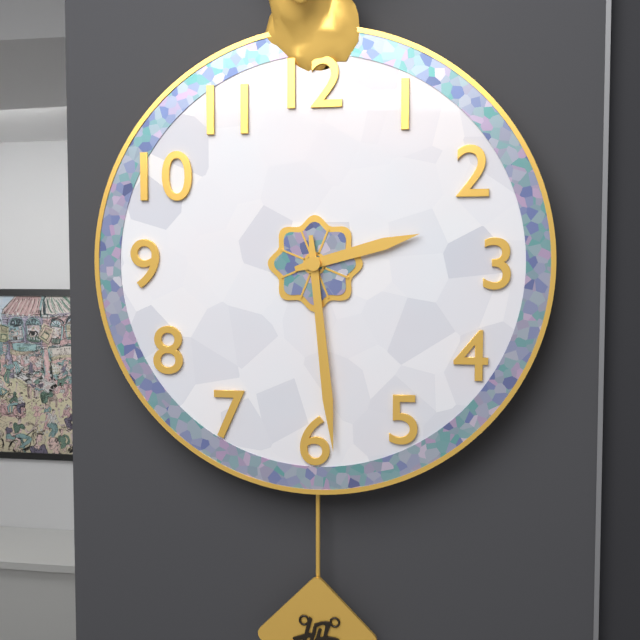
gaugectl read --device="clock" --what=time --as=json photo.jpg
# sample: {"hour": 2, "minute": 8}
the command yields {"hour": 2, "minute": 29}
